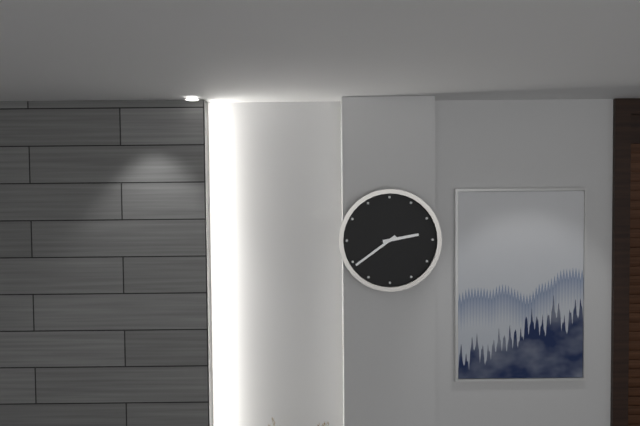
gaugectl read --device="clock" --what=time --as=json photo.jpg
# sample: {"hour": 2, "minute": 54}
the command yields {"hour": 2, "minute": 39}
